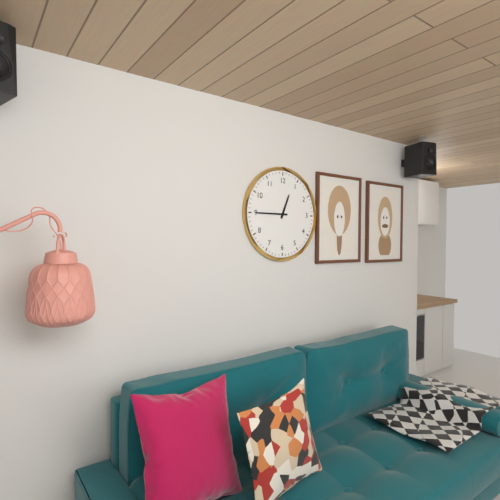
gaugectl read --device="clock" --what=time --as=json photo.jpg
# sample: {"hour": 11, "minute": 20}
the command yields {"hour": 12, "minute": 45}
